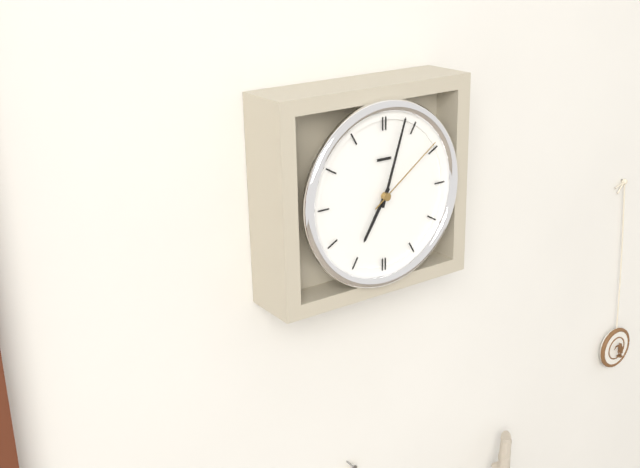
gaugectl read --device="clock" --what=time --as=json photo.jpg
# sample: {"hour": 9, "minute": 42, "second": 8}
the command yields {"hour": 7, "minute": 3, "second": 9}
